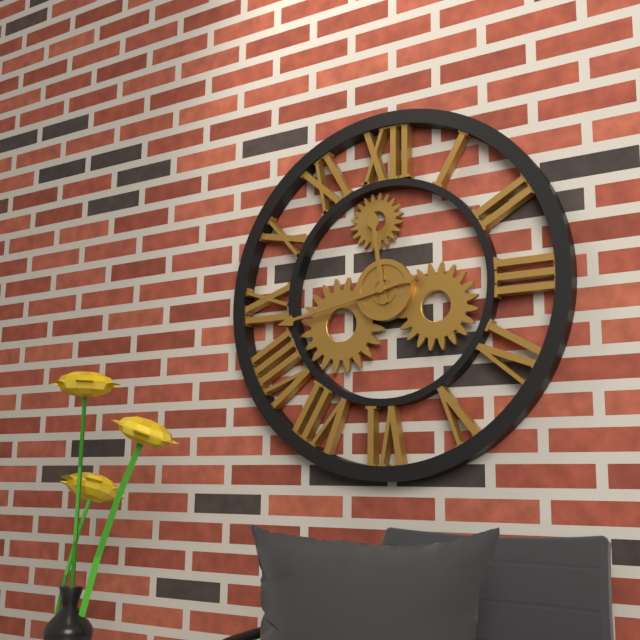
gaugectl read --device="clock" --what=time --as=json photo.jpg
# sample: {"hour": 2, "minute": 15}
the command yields {"hour": 11, "minute": 43}
